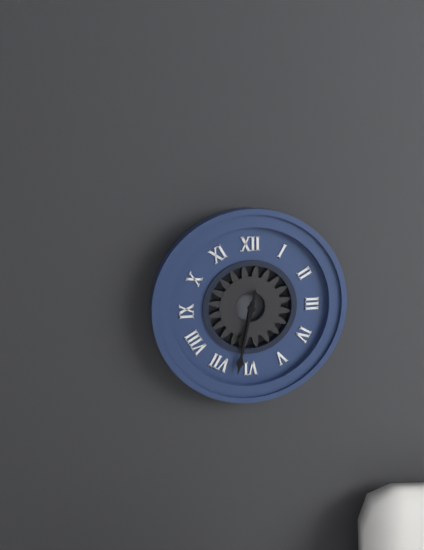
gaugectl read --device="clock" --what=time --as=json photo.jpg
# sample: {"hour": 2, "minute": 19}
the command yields {"hour": 6, "minute": 32}
